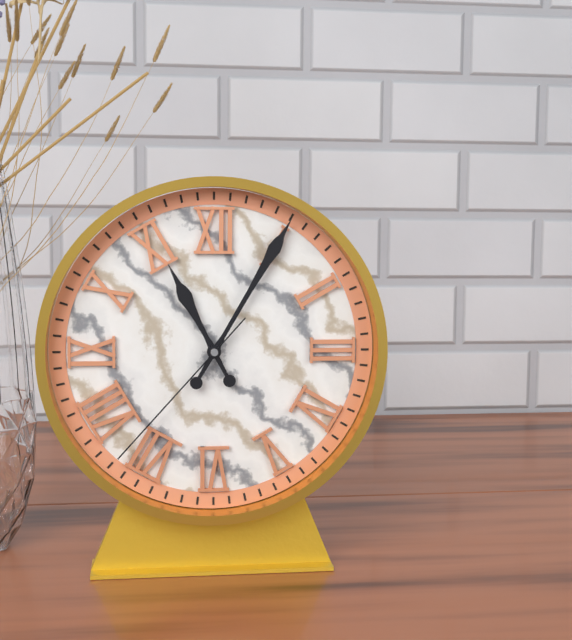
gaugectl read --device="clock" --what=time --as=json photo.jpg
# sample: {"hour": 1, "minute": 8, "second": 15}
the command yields {"hour": 11, "minute": 5, "second": 37}
